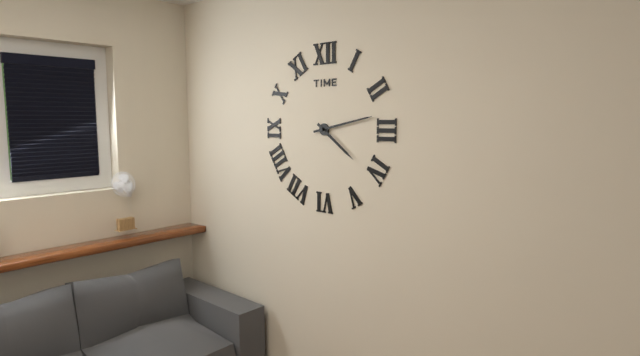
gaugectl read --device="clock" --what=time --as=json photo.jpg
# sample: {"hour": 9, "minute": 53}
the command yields {"hour": 4, "minute": 13}
